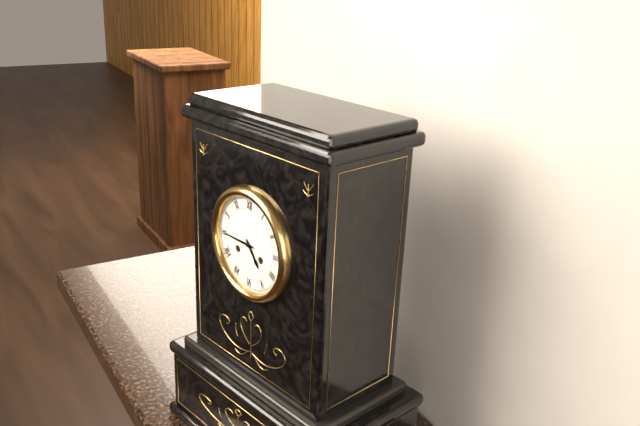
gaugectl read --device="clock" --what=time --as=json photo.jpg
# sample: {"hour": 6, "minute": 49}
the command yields {"hour": 4, "minute": 45}
